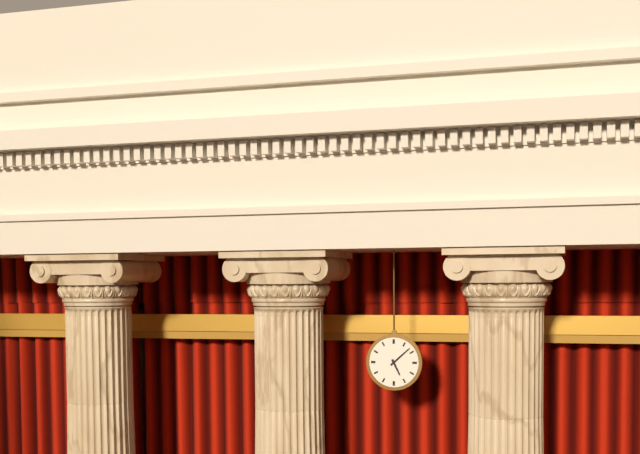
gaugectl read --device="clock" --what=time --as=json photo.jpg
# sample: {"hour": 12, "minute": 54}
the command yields {"hour": 5, "minute": 8}
